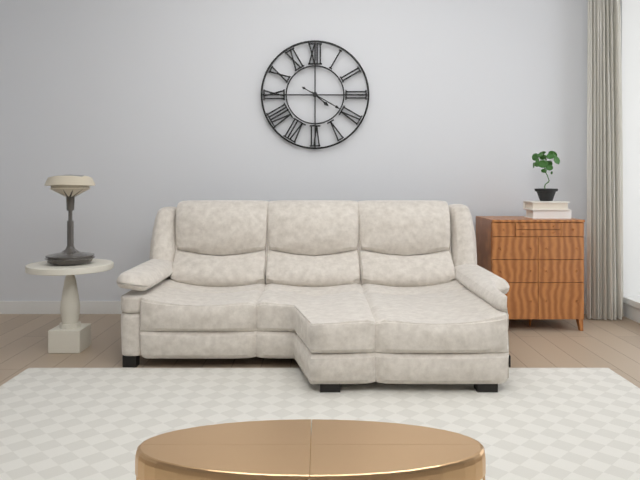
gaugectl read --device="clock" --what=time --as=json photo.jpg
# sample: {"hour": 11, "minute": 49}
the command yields {"hour": 4, "minute": 20}
